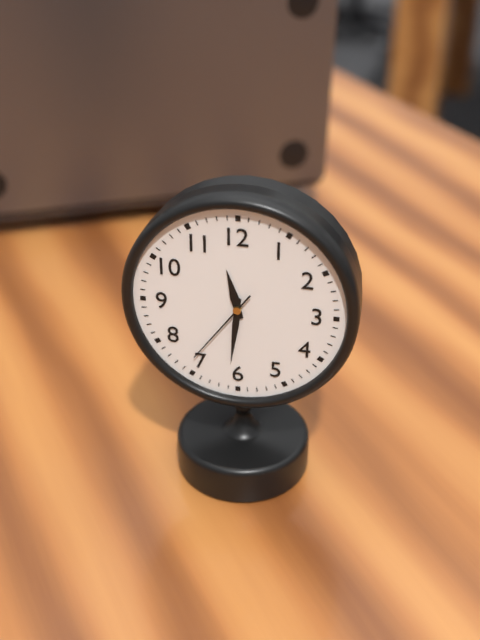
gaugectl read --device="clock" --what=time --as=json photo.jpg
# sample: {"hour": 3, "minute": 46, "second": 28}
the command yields {"hour": 11, "minute": 31, "second": 36}
